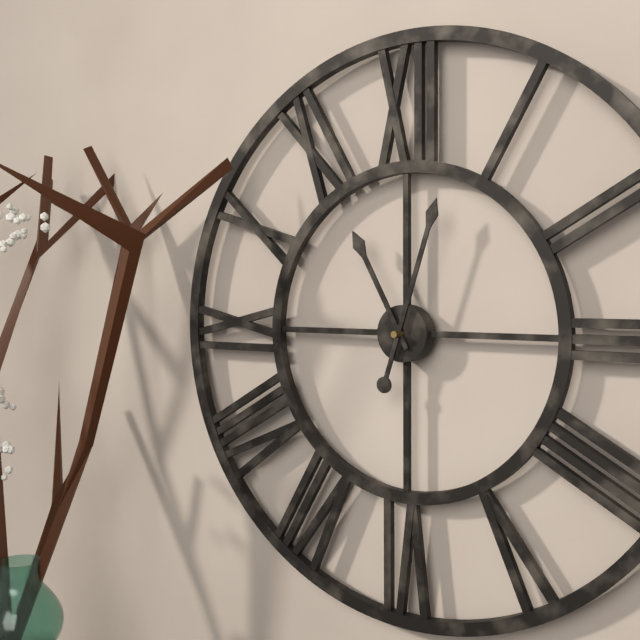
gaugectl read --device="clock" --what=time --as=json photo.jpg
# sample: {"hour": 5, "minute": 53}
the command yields {"hour": 11, "minute": 3}
